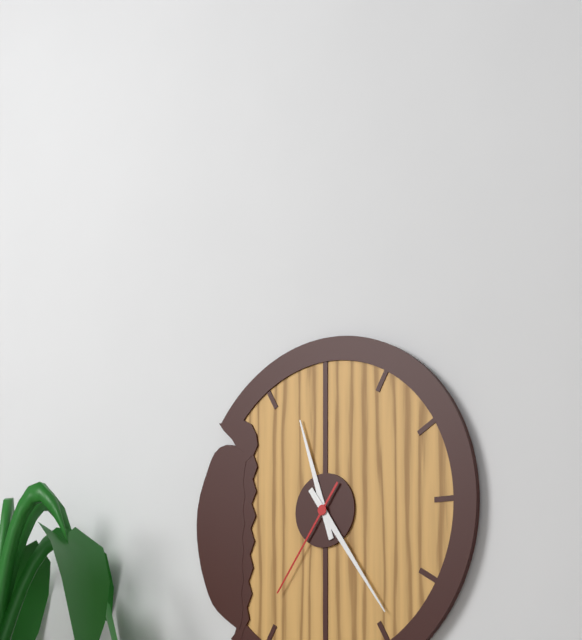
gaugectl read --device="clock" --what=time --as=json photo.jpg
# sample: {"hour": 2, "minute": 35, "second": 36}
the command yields {"hour": 11, "minute": 24, "second": 36}
